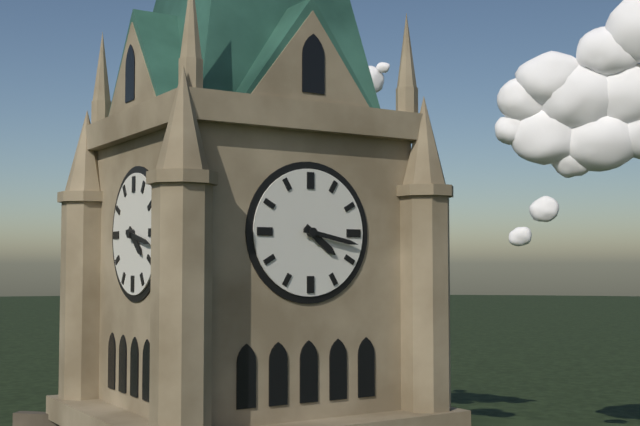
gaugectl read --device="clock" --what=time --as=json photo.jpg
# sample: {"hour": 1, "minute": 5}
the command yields {"hour": 4, "minute": 17}
